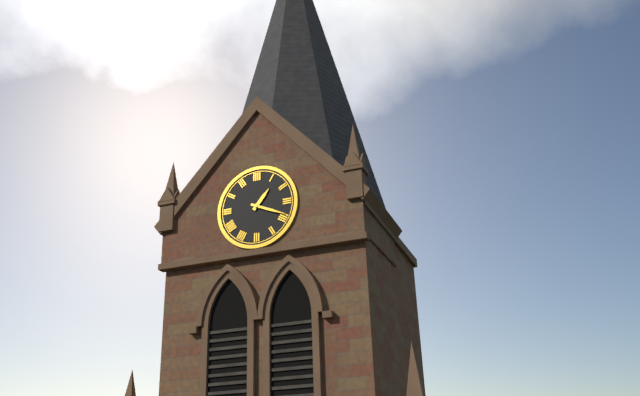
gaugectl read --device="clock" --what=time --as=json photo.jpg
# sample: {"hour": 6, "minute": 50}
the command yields {"hour": 1, "minute": 19}
